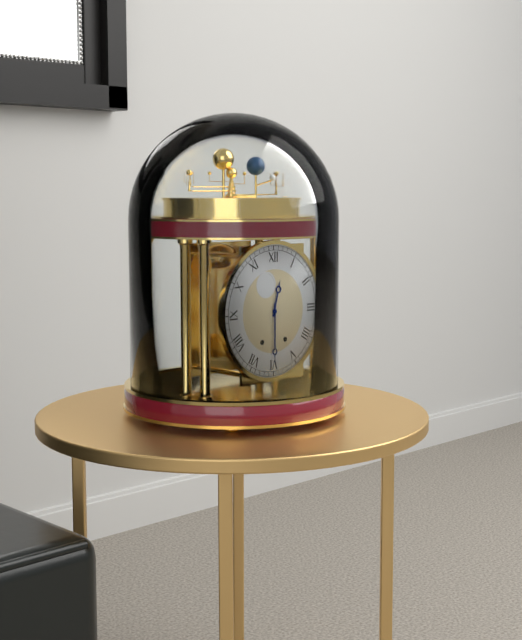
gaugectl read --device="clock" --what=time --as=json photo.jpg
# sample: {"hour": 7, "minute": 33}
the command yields {"hour": 12, "minute": 30}
